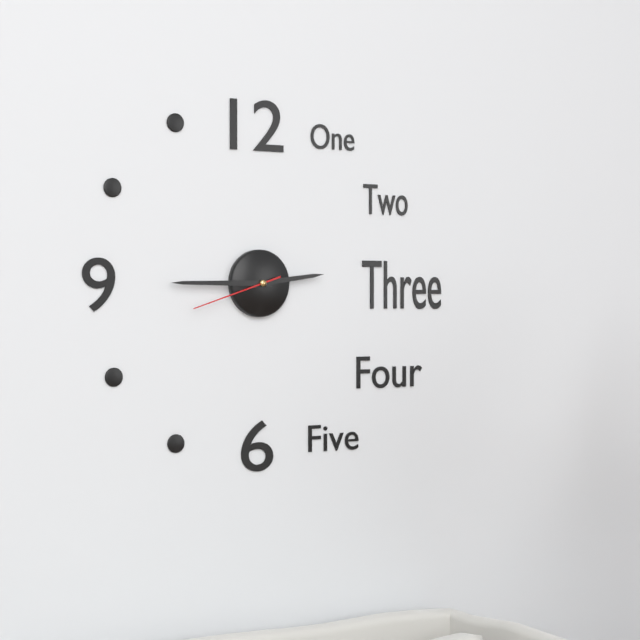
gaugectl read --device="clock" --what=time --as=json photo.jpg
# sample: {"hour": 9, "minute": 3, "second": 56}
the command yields {"hour": 2, "minute": 45, "second": 42}
